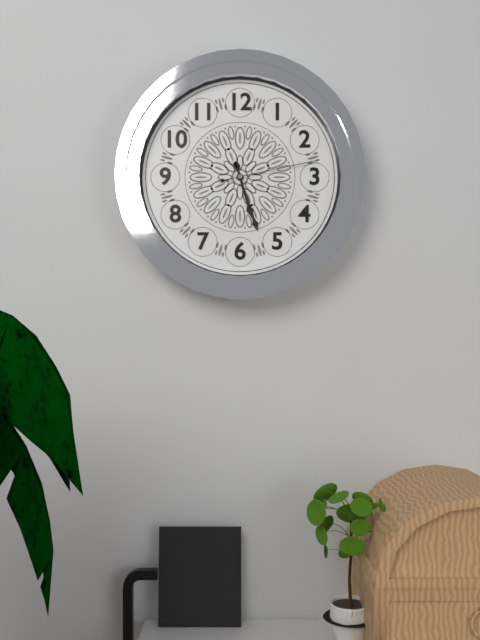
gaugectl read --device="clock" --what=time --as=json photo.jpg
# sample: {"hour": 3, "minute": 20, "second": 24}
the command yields {"hour": 5, "minute": 27, "second": 13}
